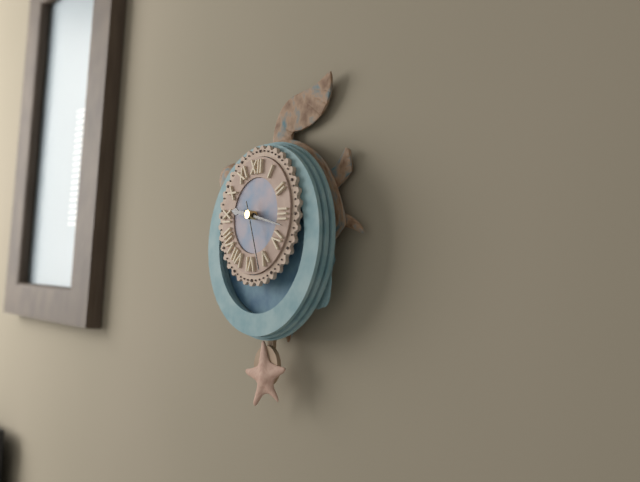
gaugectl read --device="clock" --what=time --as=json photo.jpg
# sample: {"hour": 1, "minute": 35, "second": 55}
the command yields {"hour": 9, "minute": 17, "second": 26}
